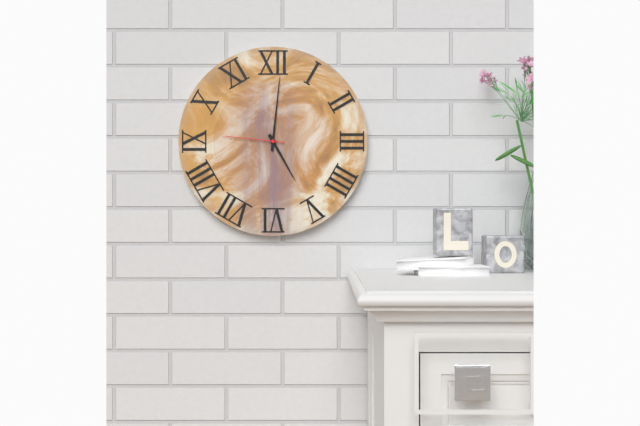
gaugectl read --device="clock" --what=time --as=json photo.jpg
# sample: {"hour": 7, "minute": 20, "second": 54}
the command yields {"hour": 5, "minute": 1, "second": 46}
